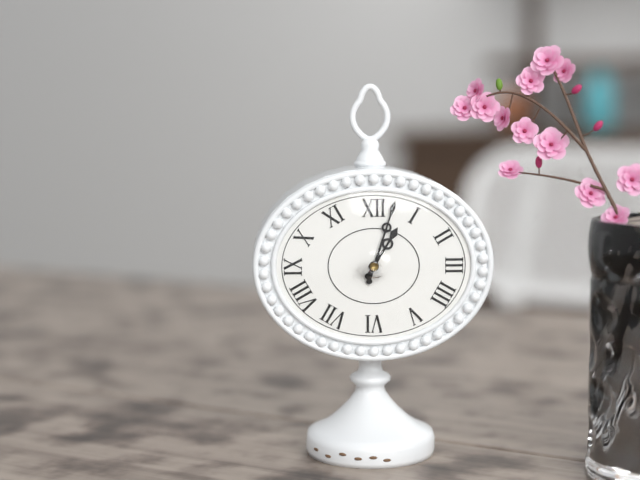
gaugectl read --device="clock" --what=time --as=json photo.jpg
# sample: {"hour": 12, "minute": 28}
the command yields {"hour": 1, "minute": 3}
